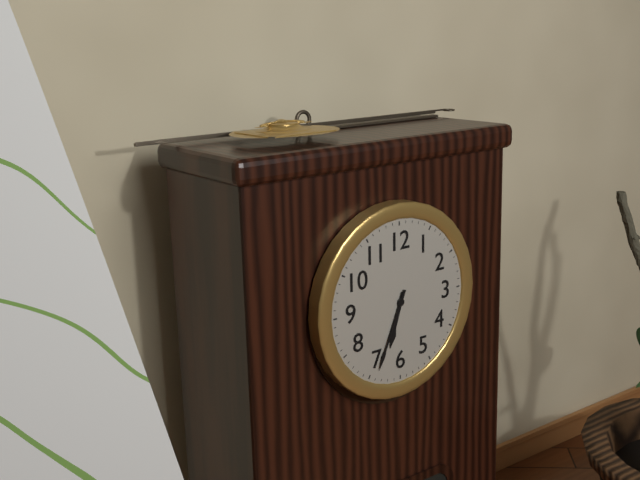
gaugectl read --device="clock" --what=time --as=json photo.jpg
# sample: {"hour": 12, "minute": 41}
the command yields {"hour": 6, "minute": 34}
